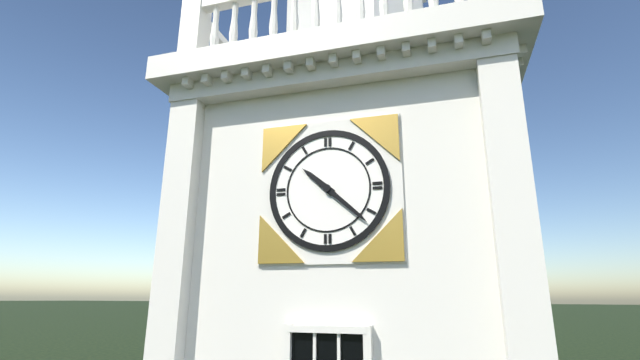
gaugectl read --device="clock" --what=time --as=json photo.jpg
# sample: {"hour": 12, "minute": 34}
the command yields {"hour": 10, "minute": 22}
